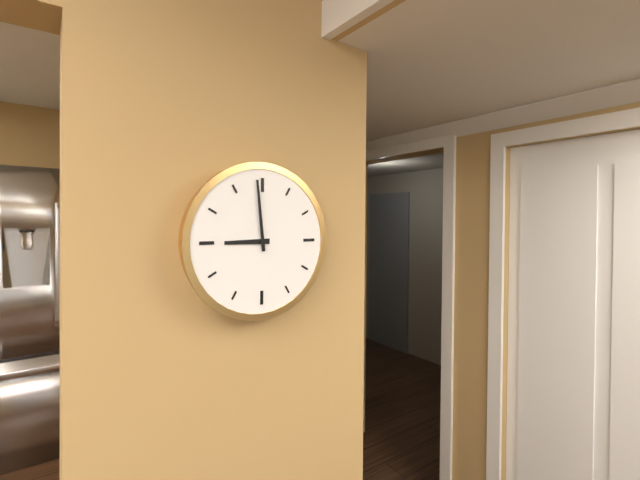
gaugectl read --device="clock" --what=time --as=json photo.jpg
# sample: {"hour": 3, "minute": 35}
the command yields {"hour": 8, "minute": 59}
